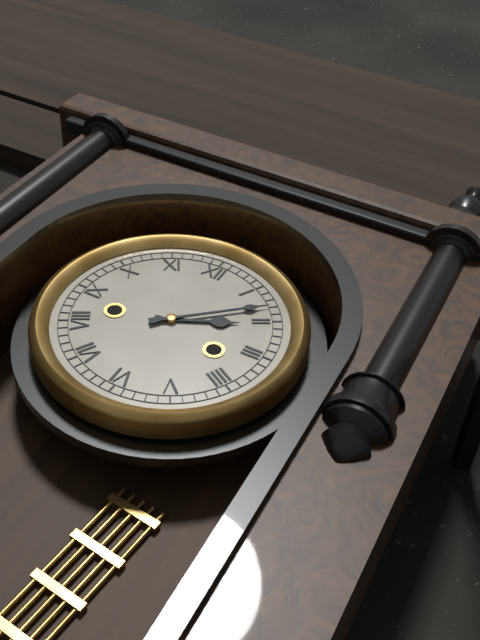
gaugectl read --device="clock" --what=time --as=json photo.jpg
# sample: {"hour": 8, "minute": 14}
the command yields {"hour": 2, "minute": 8}
